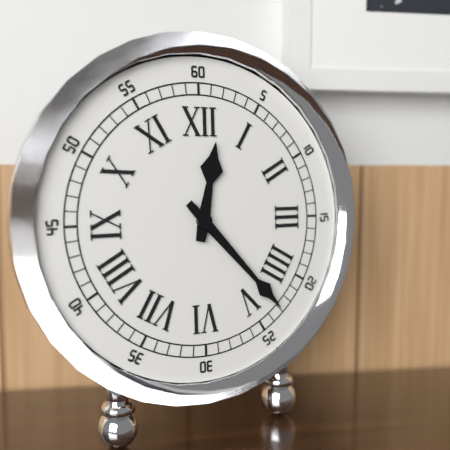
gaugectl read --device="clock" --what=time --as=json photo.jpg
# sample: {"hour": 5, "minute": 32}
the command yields {"hour": 12, "minute": 23}
